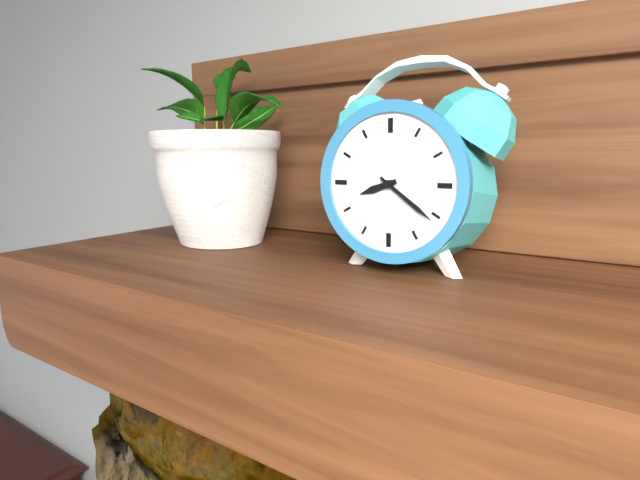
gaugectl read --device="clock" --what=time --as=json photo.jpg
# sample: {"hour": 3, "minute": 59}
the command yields {"hour": 8, "minute": 21}
